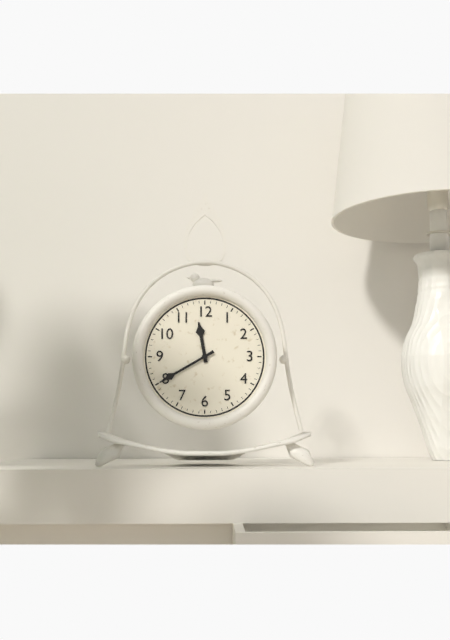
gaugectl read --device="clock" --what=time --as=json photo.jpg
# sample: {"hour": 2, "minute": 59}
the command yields {"hour": 11, "minute": 40}
